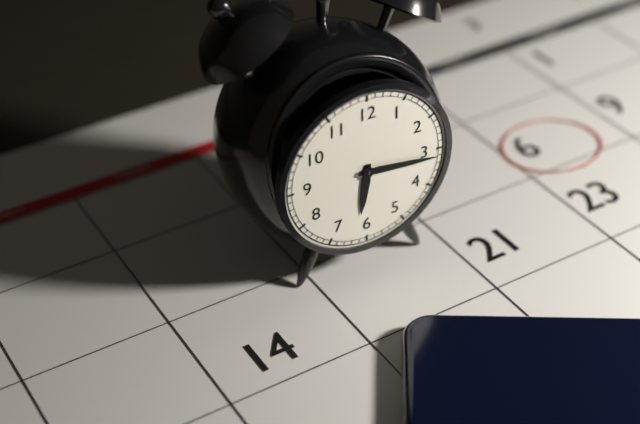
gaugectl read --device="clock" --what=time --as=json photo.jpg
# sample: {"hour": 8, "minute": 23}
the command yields {"hour": 6, "minute": 16}
